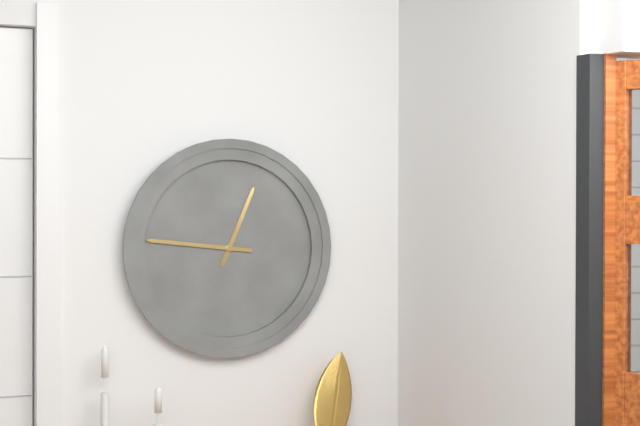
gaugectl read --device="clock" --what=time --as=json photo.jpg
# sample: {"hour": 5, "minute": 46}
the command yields {"hour": 12, "minute": 46}
